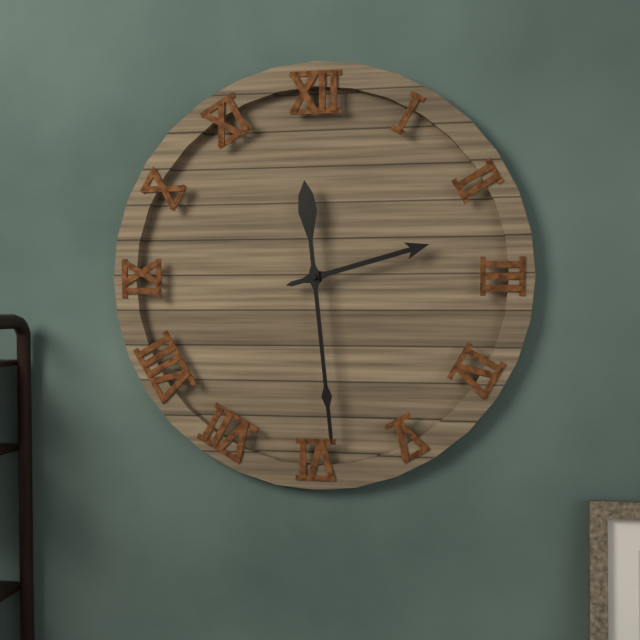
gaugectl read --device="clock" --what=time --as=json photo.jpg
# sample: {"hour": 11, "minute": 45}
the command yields {"hour": 2, "minute": 29}
